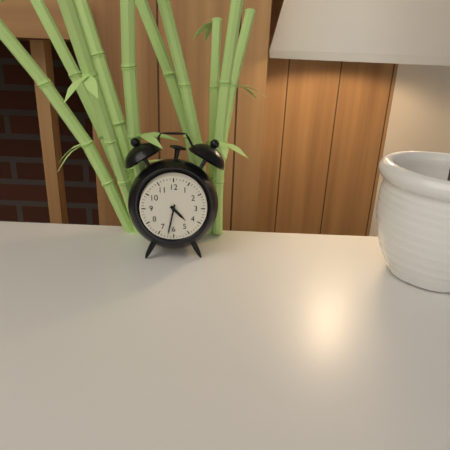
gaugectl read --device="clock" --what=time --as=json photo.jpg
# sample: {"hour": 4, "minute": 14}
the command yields {"hour": 4, "minute": 32}
